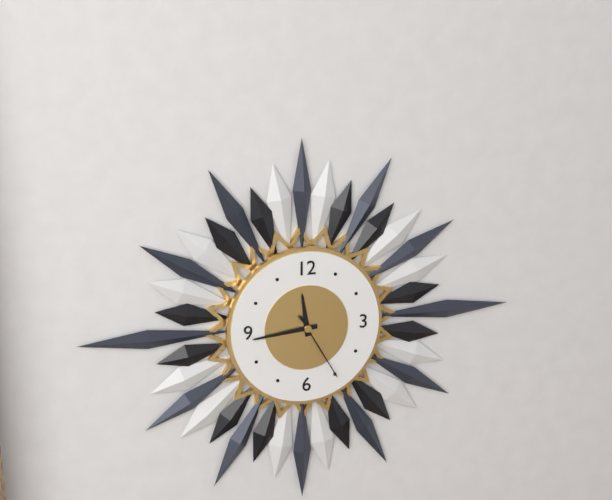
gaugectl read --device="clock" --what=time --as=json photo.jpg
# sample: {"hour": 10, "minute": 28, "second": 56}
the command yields {"hour": 11, "minute": 44, "second": 25}
